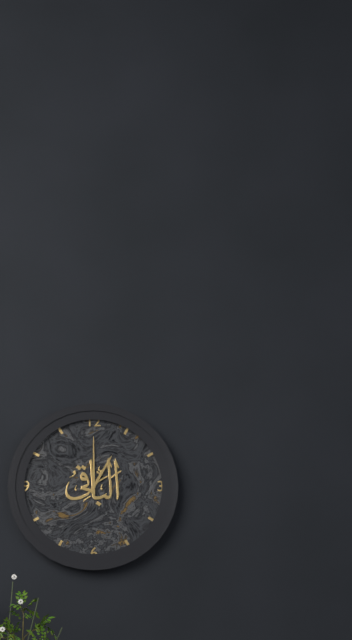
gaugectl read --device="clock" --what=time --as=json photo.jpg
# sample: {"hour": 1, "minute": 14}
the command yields {"hour": 1, "minute": 0}
